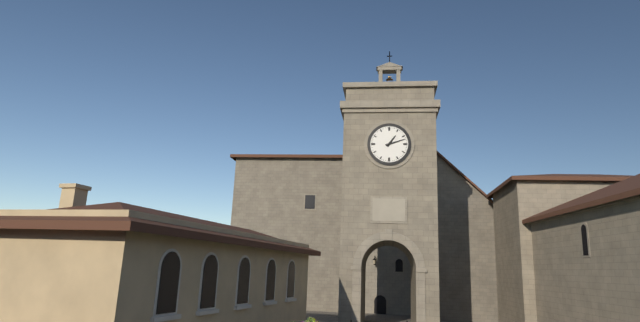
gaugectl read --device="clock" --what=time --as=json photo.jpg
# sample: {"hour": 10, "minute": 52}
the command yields {"hour": 1, "minute": 12}
